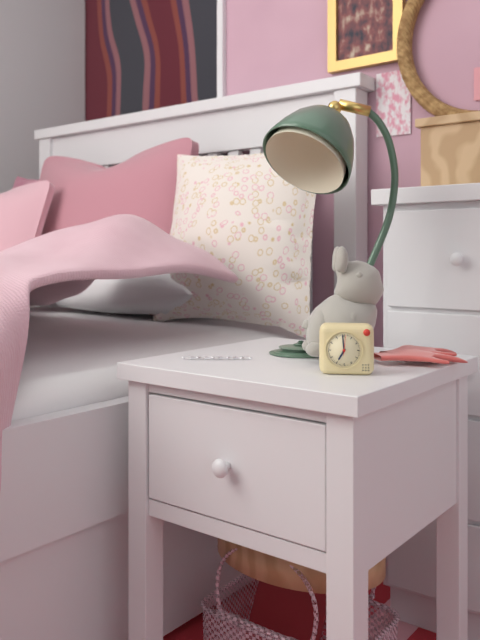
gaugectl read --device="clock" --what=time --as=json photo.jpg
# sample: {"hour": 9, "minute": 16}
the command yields {"hour": 6, "minute": 59}
